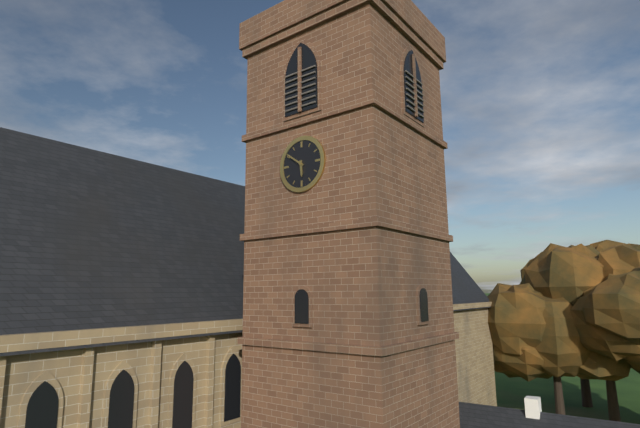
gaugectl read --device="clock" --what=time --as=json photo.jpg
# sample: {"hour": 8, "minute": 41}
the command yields {"hour": 5, "minute": 51}
